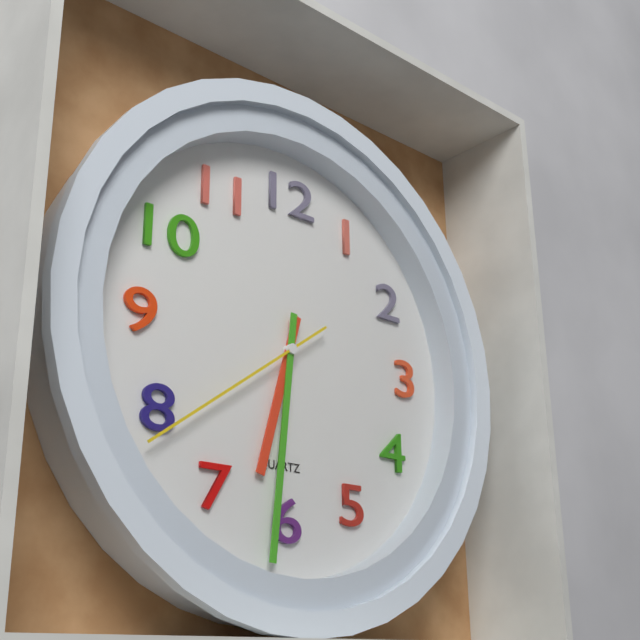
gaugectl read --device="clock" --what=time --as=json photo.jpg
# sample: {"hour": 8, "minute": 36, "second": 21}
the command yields {"hour": 6, "minute": 31, "second": 39}
